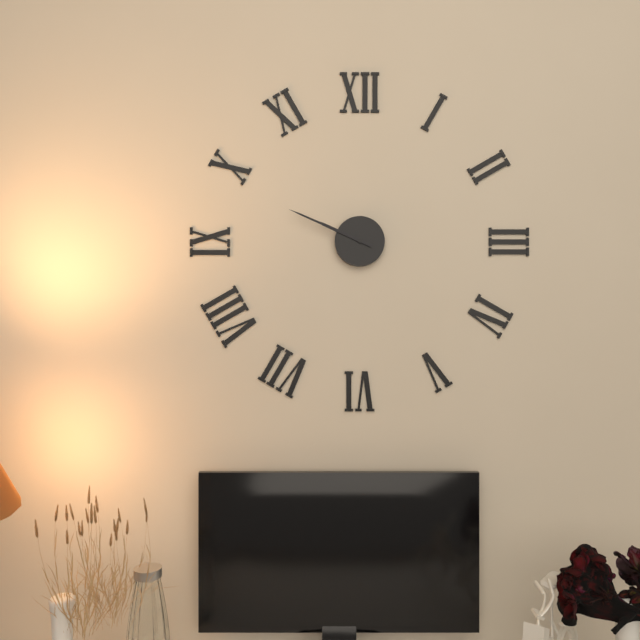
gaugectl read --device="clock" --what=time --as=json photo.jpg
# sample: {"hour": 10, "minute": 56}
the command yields {"hour": 9, "minute": 49}
